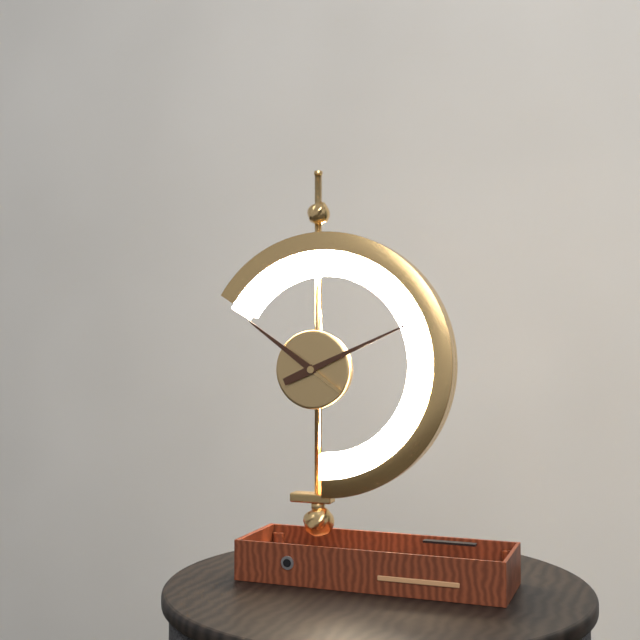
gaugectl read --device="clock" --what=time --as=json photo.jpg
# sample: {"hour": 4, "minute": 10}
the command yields {"hour": 10, "minute": 11}
